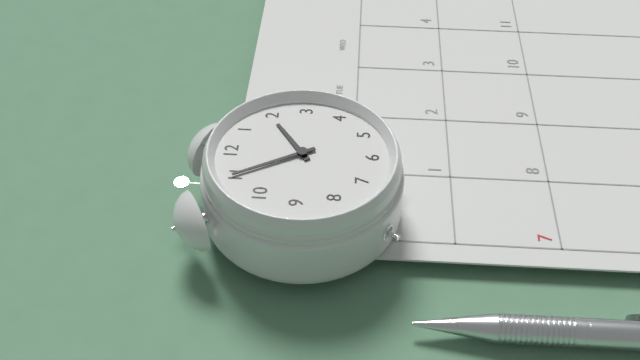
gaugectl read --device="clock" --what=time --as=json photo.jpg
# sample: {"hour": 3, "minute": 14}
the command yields {"hour": 1, "minute": 55}
